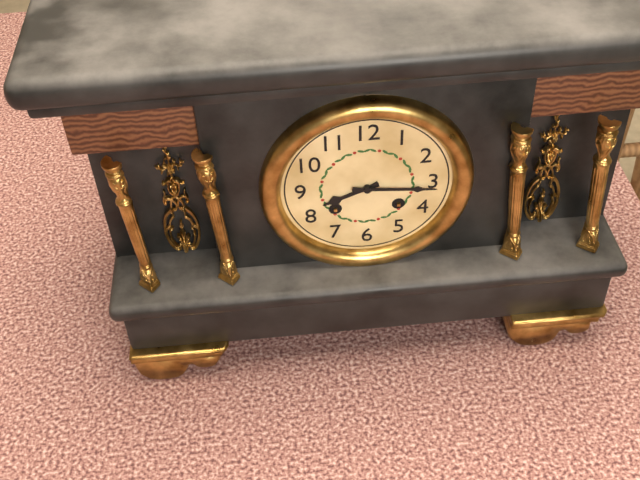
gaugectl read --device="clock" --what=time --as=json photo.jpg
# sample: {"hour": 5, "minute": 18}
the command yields {"hour": 8, "minute": 16}
